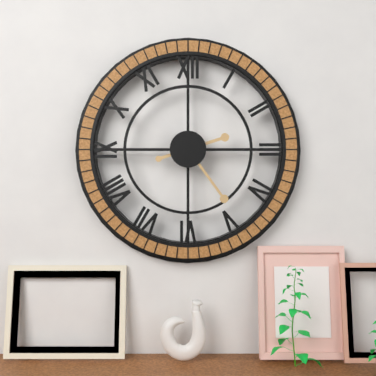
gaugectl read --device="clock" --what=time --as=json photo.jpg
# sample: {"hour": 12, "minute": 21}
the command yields {"hour": 2, "minute": 24}
